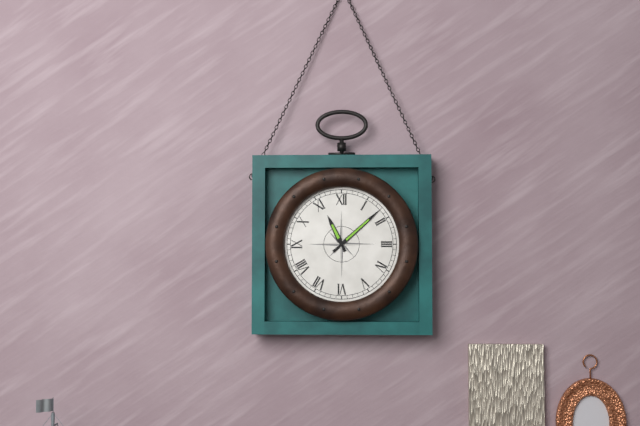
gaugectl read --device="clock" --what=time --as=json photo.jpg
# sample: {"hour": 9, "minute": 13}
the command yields {"hour": 11, "minute": 8}
